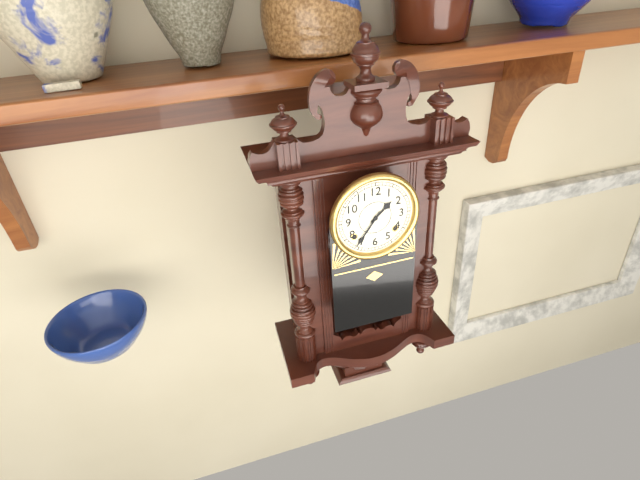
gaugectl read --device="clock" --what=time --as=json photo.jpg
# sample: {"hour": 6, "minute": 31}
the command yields {"hour": 1, "minute": 36}
